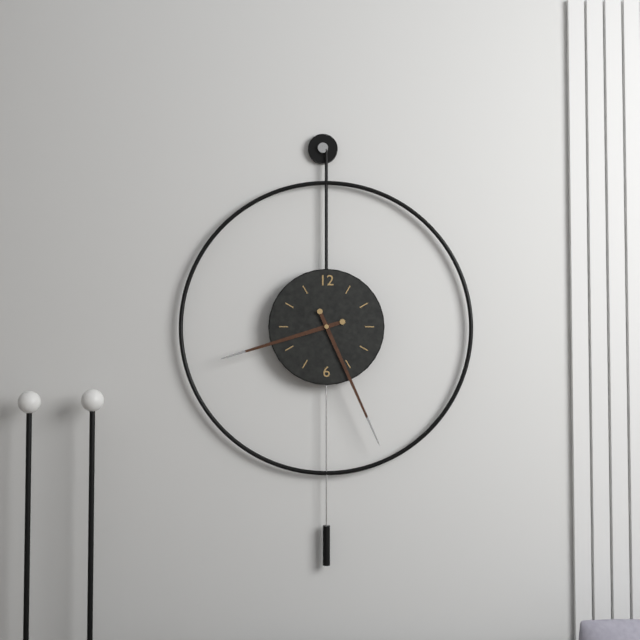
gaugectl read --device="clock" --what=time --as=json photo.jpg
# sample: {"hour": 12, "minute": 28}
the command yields {"hour": 8, "minute": 26}
